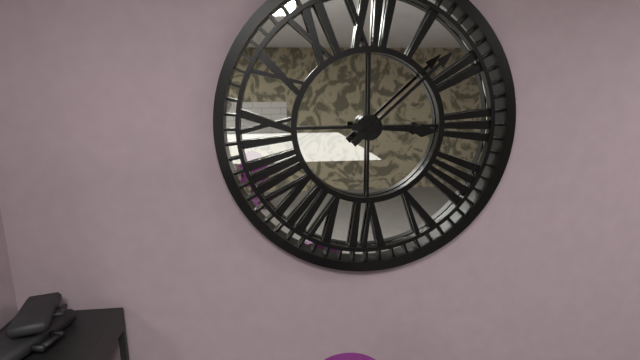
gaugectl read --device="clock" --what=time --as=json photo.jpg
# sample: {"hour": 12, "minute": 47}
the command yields {"hour": 3, "minute": 8}
